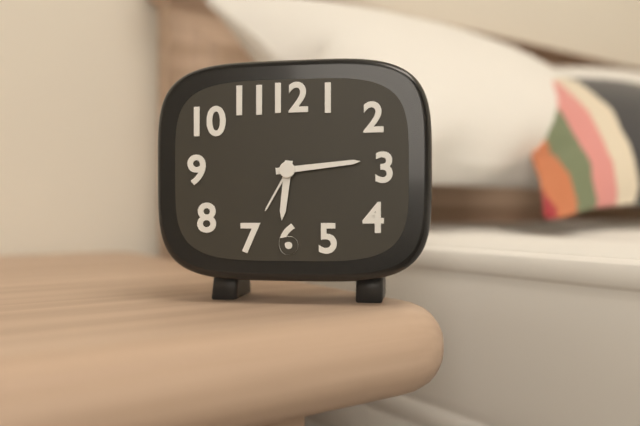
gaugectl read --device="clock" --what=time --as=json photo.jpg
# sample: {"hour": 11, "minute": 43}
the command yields {"hour": 6, "minute": 14}
